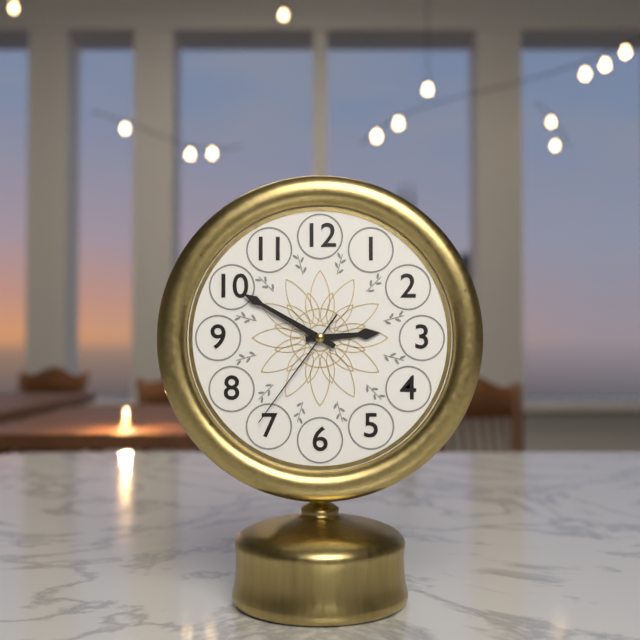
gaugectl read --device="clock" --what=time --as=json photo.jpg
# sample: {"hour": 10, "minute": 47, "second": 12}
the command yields {"hour": 2, "minute": 50, "second": 36}
